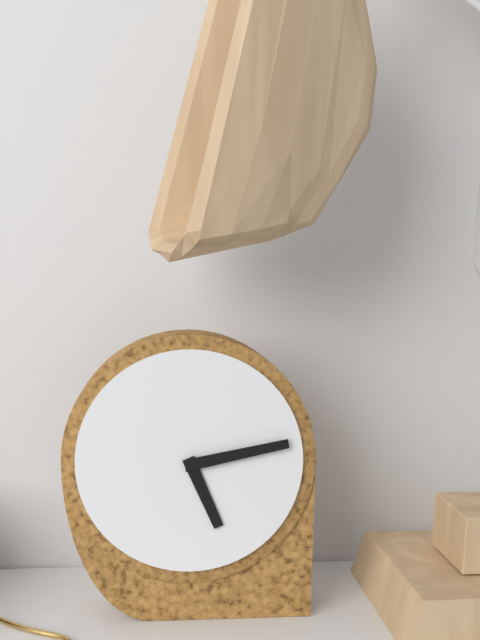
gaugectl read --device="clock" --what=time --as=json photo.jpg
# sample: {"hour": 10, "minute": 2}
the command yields {"hour": 5, "minute": 13}
